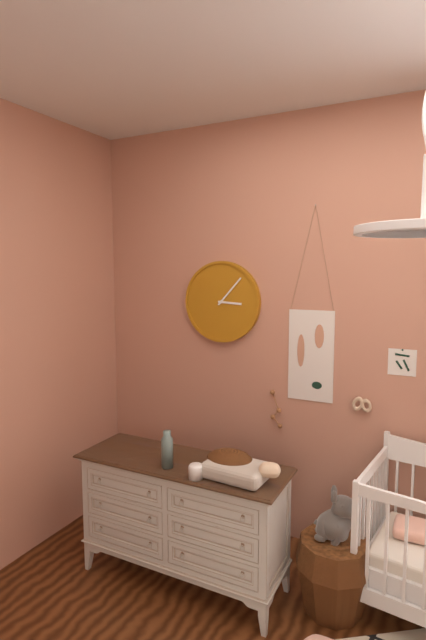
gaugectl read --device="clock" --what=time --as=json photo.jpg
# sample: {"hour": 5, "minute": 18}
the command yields {"hour": 3, "minute": 7}
